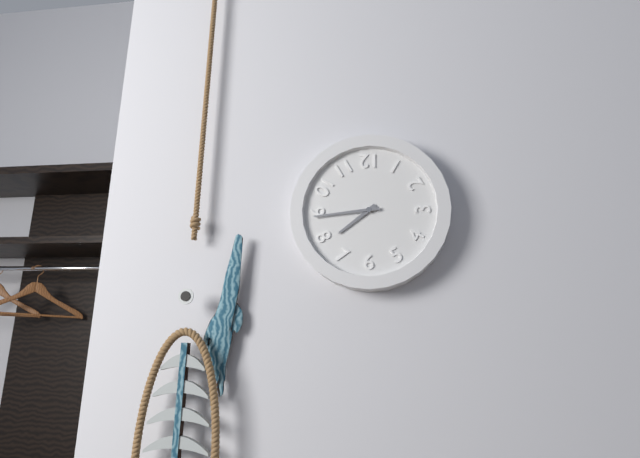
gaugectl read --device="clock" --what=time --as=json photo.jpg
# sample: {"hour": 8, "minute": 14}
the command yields {"hour": 7, "minute": 44}
